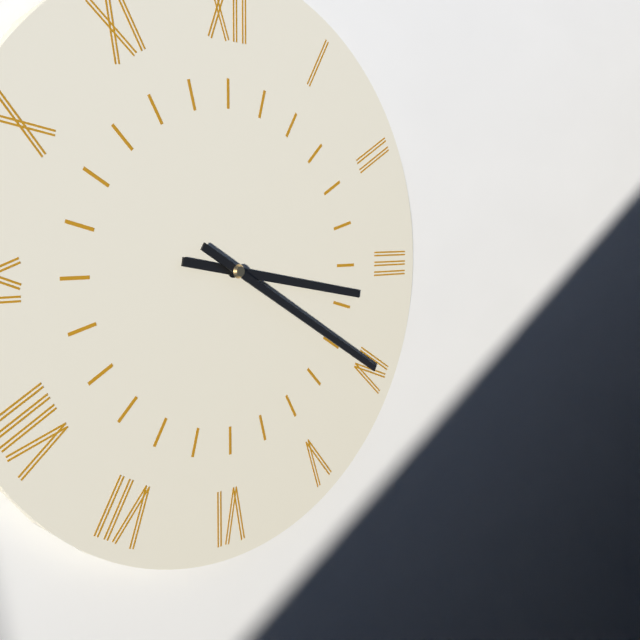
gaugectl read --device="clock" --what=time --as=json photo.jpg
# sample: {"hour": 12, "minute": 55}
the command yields {"hour": 3, "minute": 20}
